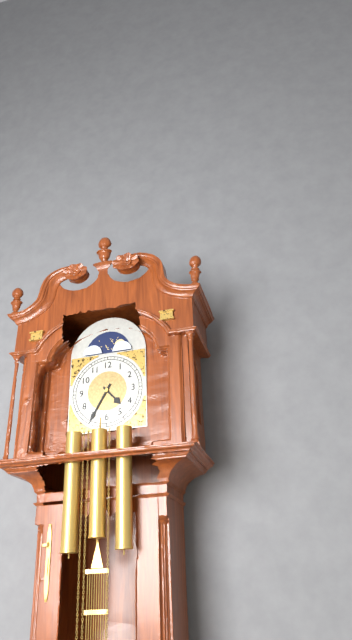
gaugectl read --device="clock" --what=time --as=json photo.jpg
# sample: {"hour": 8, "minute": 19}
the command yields {"hour": 4, "minute": 35}
